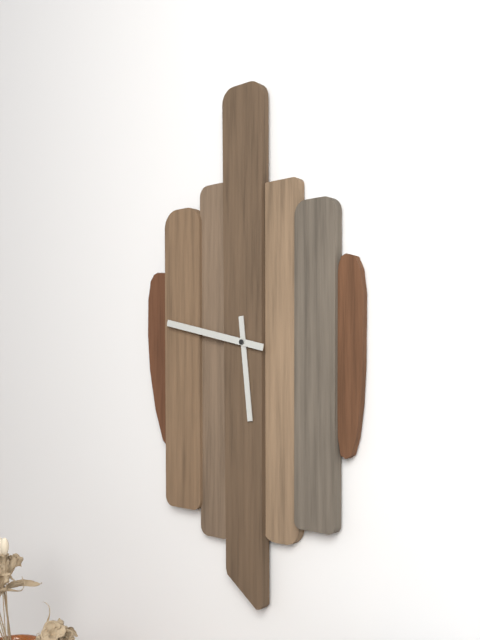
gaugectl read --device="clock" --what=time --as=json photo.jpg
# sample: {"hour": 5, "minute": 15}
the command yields {"hour": 5, "minute": 47}
